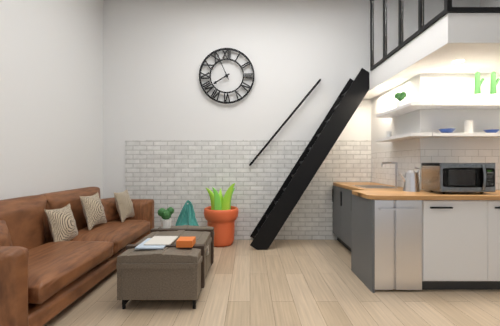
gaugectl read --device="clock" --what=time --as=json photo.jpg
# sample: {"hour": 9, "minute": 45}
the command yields {"hour": 7, "minute": 56}
